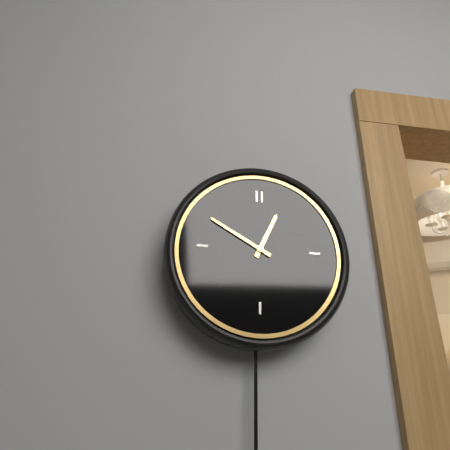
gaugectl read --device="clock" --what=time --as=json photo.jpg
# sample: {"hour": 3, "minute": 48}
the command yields {"hour": 12, "minute": 50}
